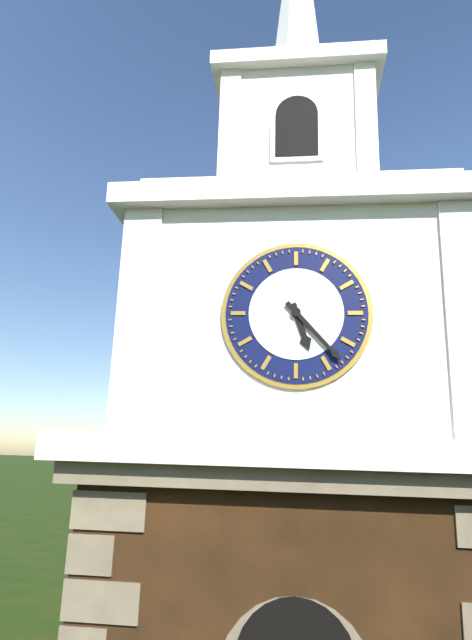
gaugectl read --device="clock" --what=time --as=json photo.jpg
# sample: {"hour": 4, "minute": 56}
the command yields {"hour": 5, "minute": 23}
